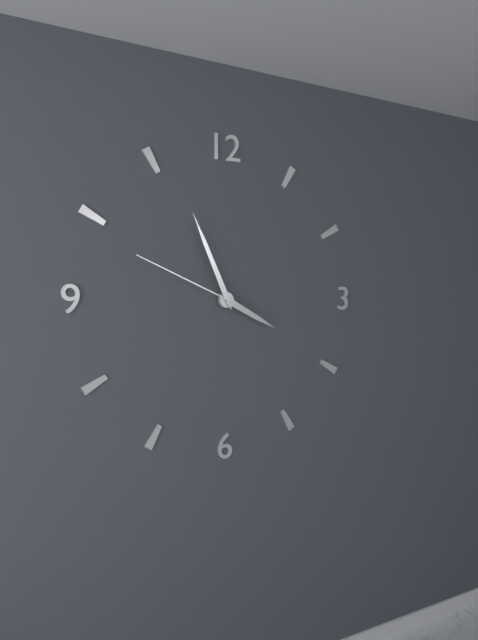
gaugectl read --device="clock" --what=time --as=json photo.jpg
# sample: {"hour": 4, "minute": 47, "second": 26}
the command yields {"hour": 3, "minute": 56, "second": 49}
